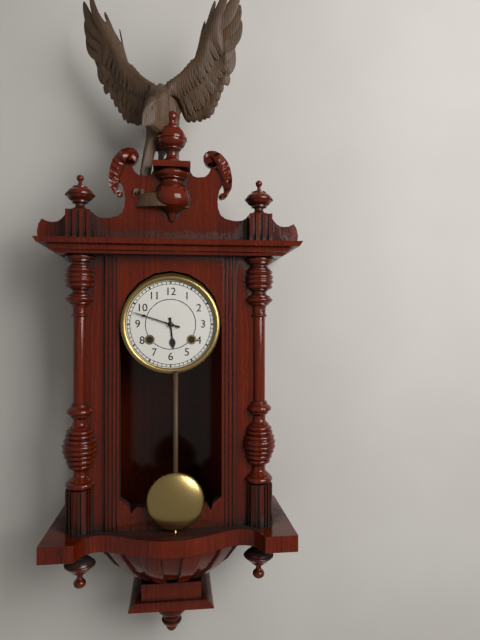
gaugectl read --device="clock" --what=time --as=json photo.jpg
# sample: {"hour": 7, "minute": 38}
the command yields {"hour": 5, "minute": 48}
